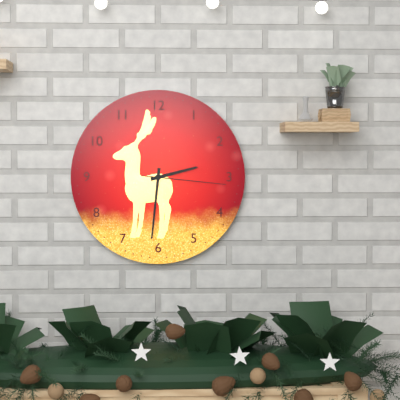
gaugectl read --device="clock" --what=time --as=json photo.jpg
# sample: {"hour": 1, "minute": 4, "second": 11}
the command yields {"hour": 2, "minute": 31, "second": 16}
